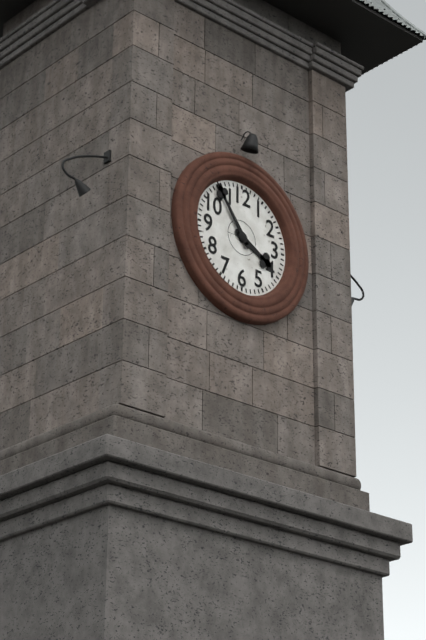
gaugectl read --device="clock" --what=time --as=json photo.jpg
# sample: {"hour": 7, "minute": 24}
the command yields {"hour": 3, "minute": 54}
